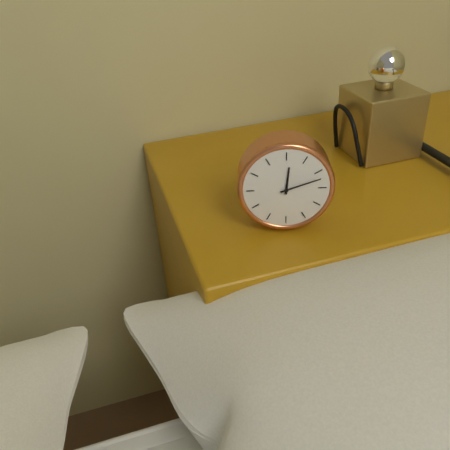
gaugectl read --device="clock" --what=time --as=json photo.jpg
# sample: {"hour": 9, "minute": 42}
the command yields {"hour": 12, "minute": 12}
